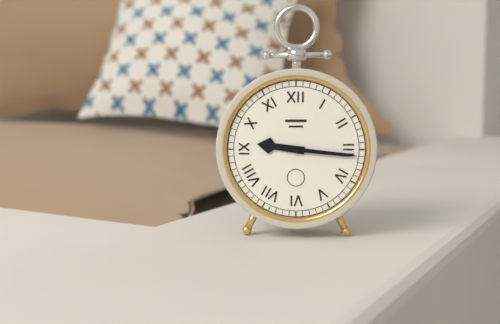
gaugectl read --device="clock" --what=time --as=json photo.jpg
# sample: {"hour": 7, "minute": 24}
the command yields {"hour": 9, "minute": 16}
